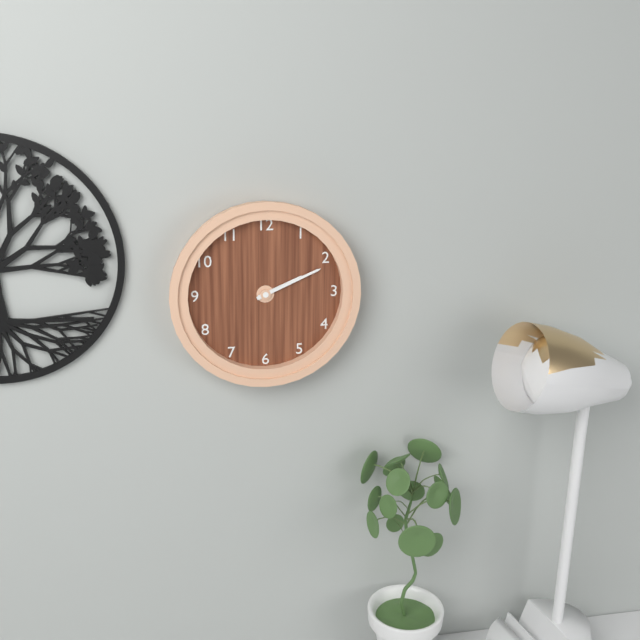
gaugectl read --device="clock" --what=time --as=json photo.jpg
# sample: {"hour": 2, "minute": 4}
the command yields {"hour": 2, "minute": 11}
